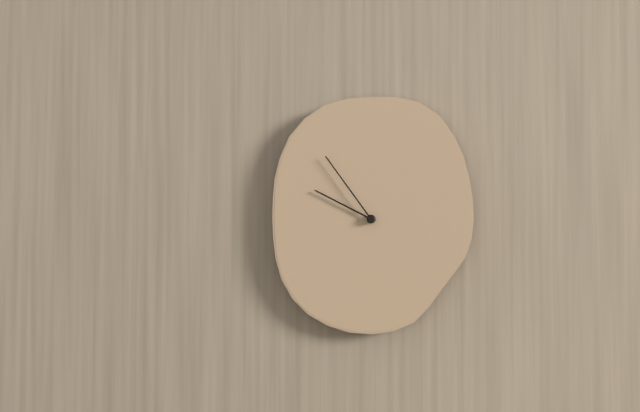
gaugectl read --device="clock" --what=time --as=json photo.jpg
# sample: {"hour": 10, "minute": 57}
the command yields {"hour": 9, "minute": 54}
